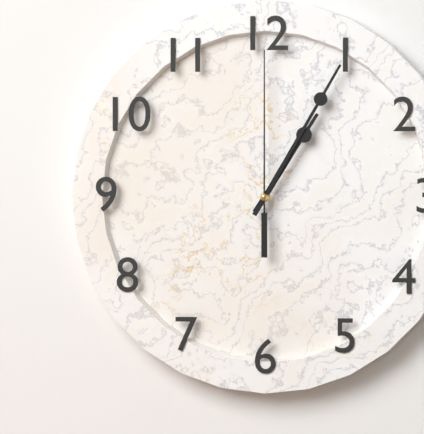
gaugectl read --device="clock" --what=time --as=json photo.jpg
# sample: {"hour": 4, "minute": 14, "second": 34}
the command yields {"hour": 1, "minute": 5, "second": 0}
